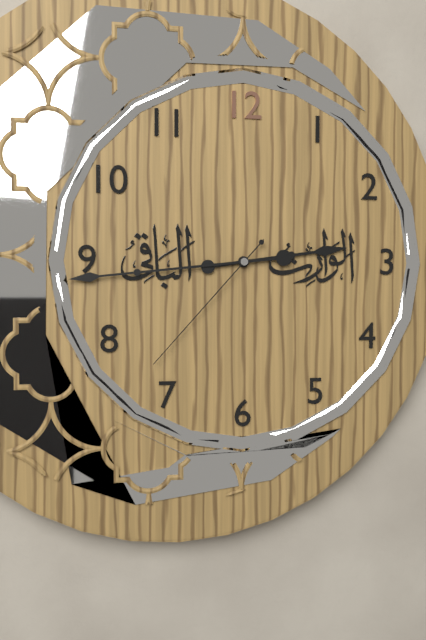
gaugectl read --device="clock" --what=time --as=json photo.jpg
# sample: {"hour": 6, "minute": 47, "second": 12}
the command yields {"hour": 2, "minute": 44, "second": 37}
